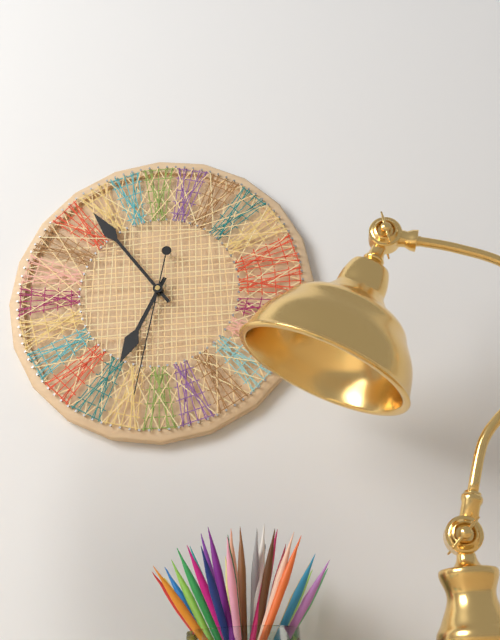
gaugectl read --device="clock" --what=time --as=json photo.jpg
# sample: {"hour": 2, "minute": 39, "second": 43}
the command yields {"hour": 6, "minute": 54, "second": 32}
